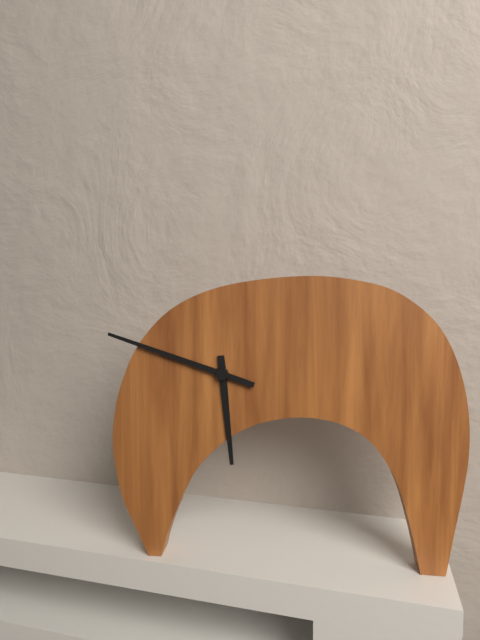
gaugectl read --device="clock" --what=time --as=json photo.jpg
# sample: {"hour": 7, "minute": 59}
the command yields {"hour": 5, "minute": 48}
